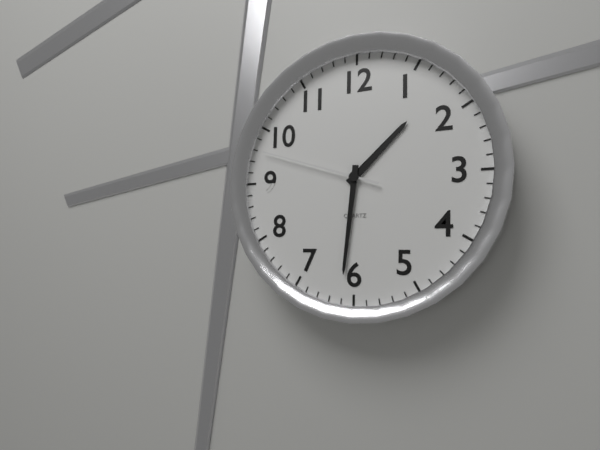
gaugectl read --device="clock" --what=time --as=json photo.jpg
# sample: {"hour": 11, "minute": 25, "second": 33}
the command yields {"hour": 1, "minute": 31, "second": 48}
